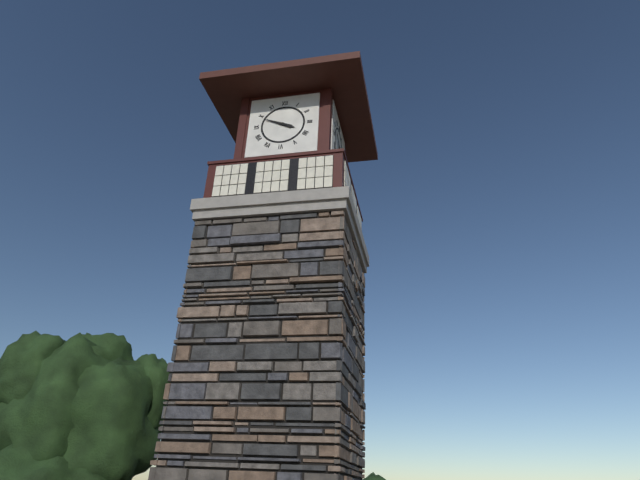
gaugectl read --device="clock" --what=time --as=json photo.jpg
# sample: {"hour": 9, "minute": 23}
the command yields {"hour": 3, "minute": 49}
